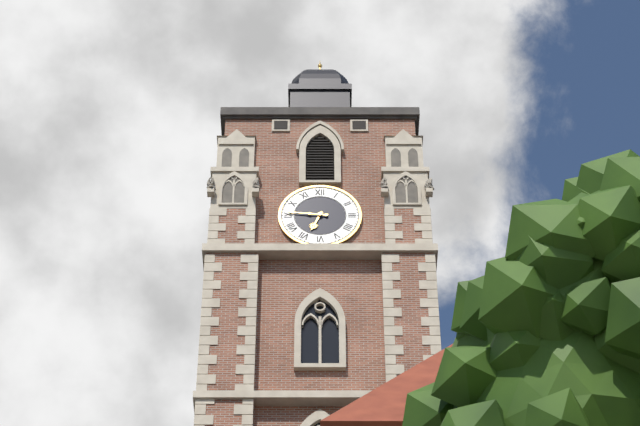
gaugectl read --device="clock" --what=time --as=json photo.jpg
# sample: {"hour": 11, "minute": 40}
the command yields {"hour": 6, "minute": 46}
